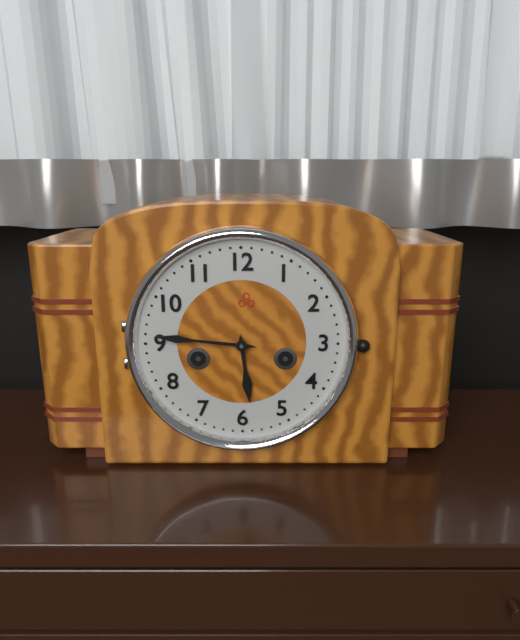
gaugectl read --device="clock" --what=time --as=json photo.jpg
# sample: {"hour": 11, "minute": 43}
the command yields {"hour": 5, "minute": 46}
